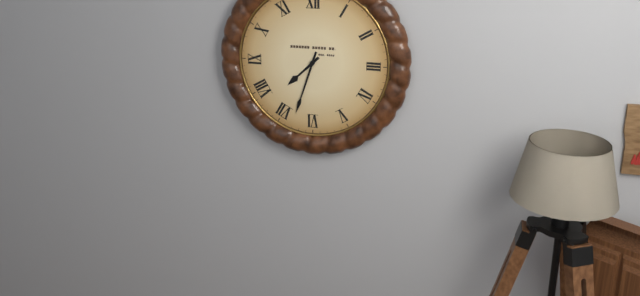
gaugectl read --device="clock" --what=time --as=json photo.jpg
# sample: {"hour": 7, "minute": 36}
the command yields {"hour": 7, "minute": 33}
